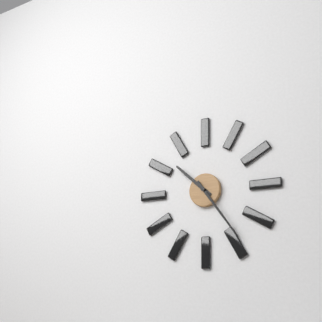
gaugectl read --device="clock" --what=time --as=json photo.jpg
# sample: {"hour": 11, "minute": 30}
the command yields {"hour": 10, "minute": 24}
